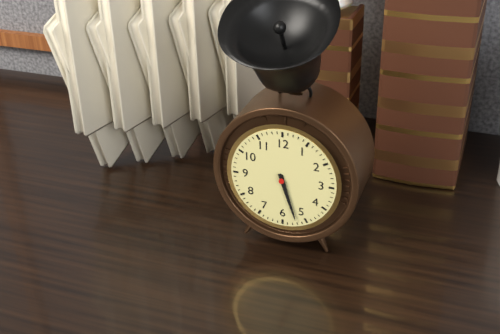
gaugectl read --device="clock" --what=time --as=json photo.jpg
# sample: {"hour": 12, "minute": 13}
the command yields {"hour": 5, "minute": 27}
